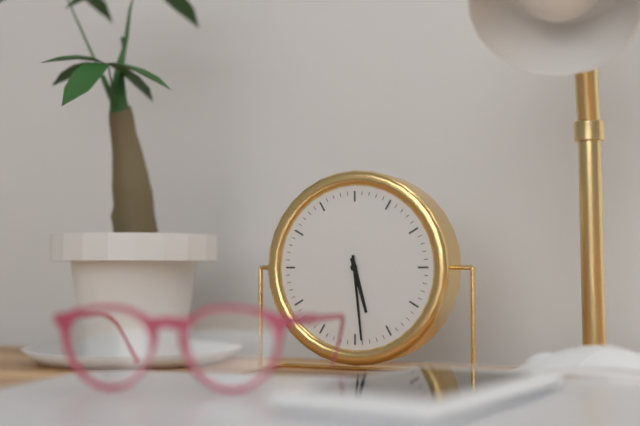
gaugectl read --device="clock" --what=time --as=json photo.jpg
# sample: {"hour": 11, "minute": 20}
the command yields {"hour": 5, "minute": 29}
